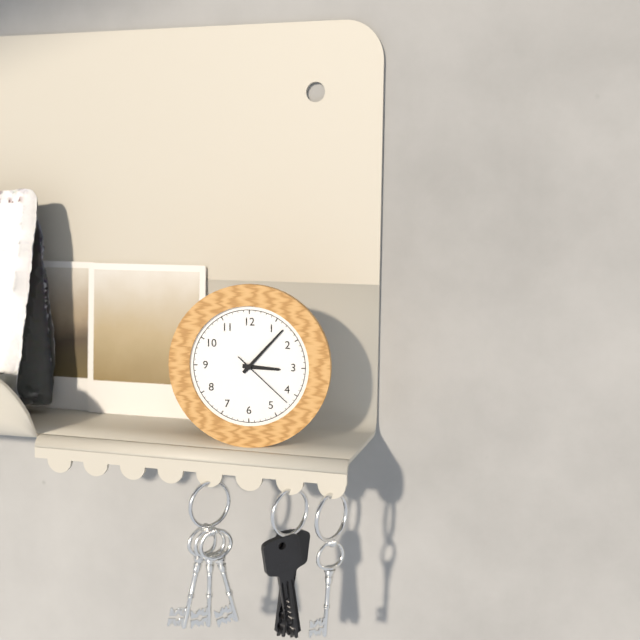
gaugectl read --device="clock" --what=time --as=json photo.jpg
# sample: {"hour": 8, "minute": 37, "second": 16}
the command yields {"hour": 3, "minute": 7, "second": 22}
